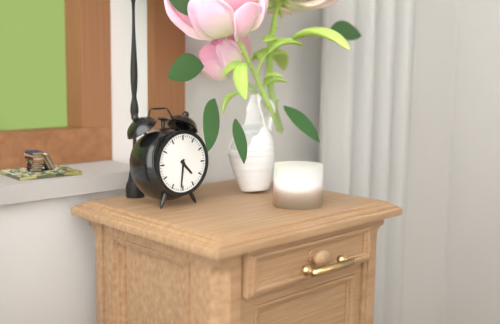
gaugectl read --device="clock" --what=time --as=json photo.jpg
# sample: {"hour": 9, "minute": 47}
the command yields {"hour": 4, "minute": 31}
